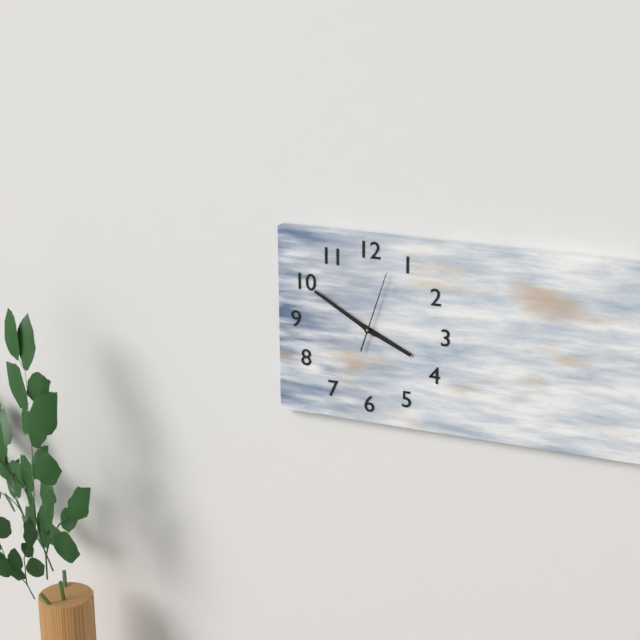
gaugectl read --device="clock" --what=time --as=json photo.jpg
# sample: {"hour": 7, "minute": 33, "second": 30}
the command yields {"hour": 3, "minute": 50, "second": 3}
